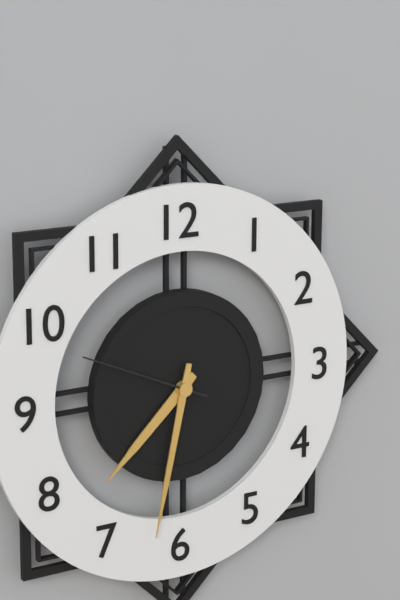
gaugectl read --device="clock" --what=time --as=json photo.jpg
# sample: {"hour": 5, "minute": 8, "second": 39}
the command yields {"hour": 7, "minute": 32, "second": 49}
